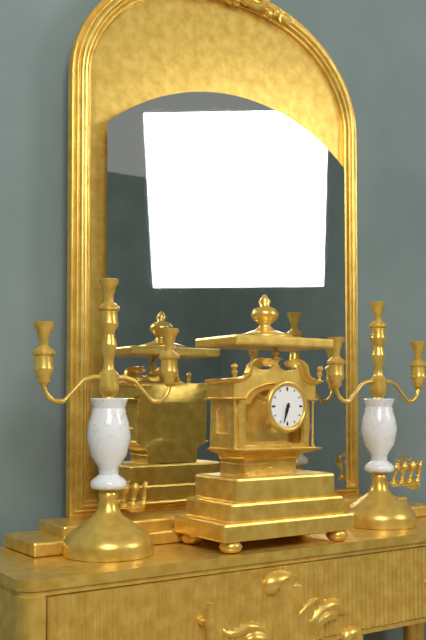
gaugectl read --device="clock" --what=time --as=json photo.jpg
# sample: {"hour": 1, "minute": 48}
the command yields {"hour": 6, "minute": 33}
